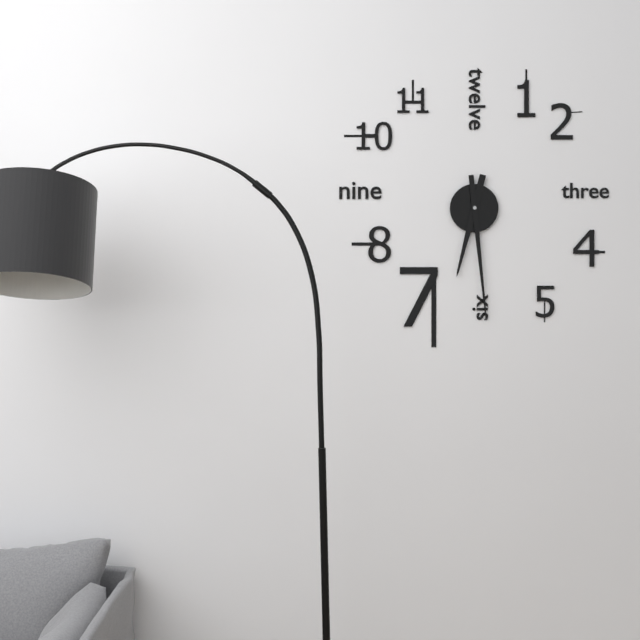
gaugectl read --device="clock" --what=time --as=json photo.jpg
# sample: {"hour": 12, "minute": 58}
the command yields {"hour": 6, "minute": 29}
